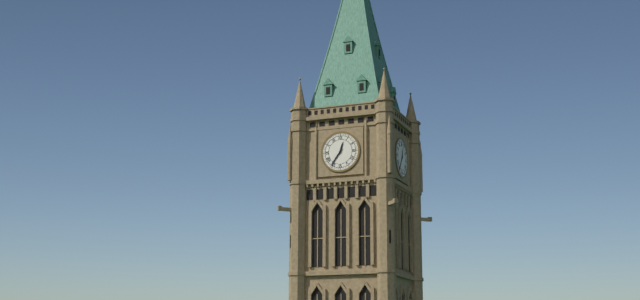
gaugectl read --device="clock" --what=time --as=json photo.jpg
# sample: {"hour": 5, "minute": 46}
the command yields {"hour": 12, "minute": 36}
